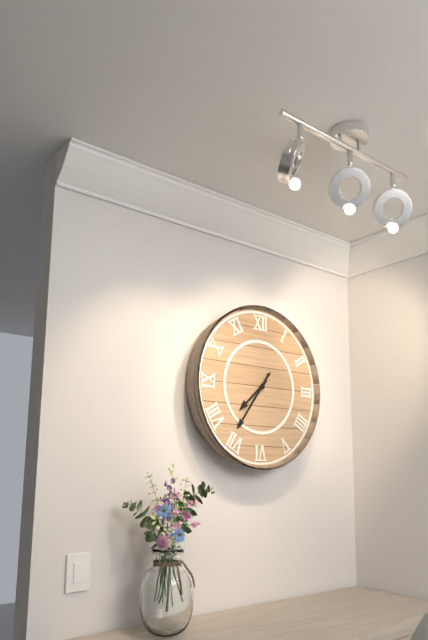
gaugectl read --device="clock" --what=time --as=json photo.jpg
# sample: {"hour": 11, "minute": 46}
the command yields {"hour": 7, "minute": 36}
